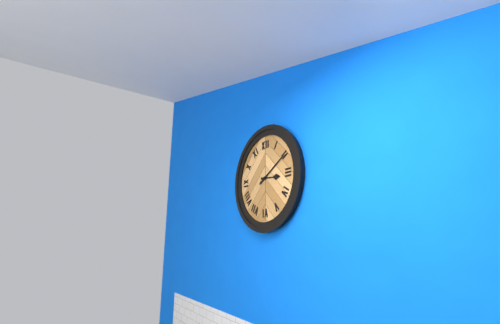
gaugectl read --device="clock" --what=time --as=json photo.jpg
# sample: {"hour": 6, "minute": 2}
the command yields {"hour": 3, "minute": 10}
